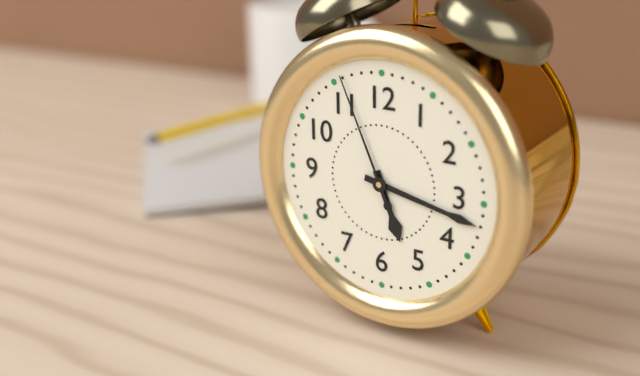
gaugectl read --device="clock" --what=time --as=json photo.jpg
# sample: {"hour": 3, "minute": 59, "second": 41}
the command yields {"hour": 5, "minute": 17, "second": 56}
